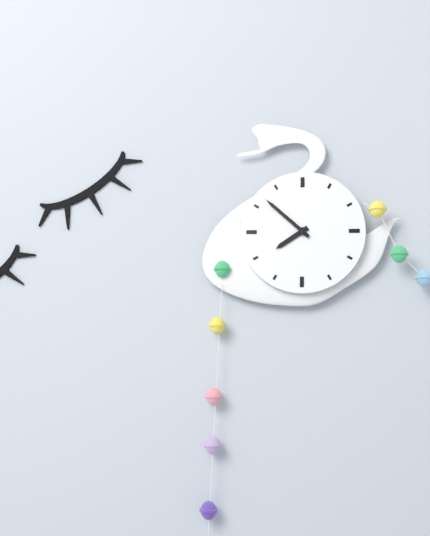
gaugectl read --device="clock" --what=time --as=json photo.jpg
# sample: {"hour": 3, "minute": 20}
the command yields {"hour": 7, "minute": 52}
